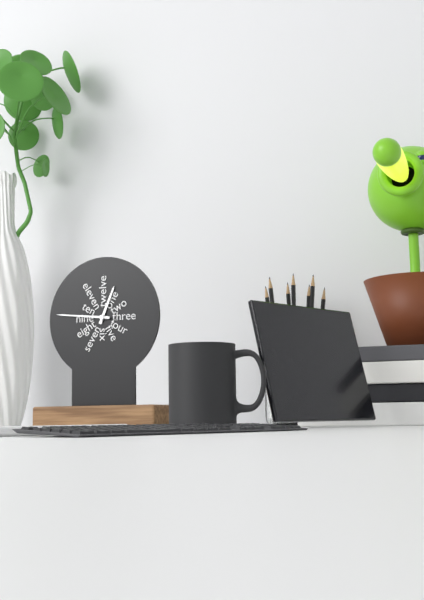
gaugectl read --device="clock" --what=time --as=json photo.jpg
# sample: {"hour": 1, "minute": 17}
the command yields {"hour": 12, "minute": 46}
